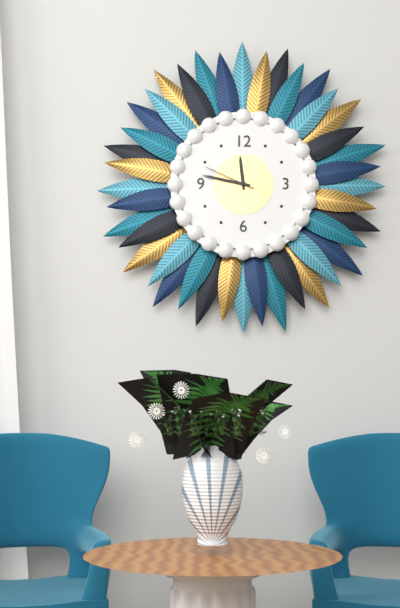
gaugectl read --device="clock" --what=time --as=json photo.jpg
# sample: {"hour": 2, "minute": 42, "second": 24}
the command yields {"hour": 11, "minute": 47, "second": 49}
